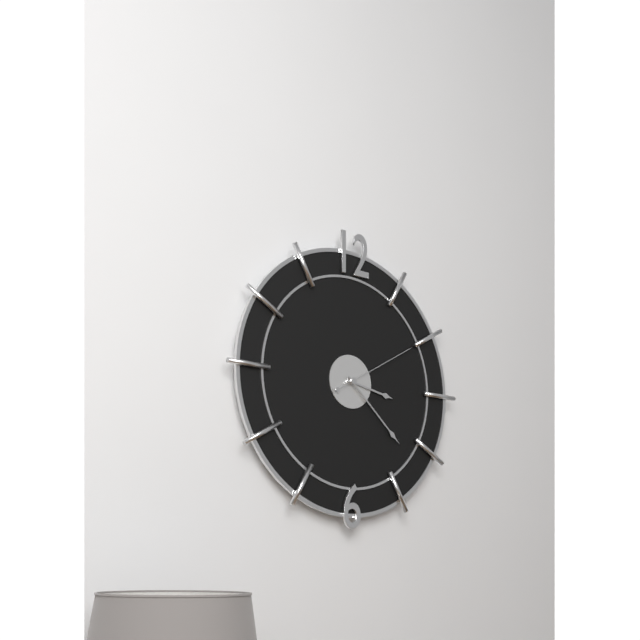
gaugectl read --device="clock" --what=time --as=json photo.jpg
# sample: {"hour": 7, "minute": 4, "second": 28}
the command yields {"hour": 3, "minute": 22, "second": 10}
